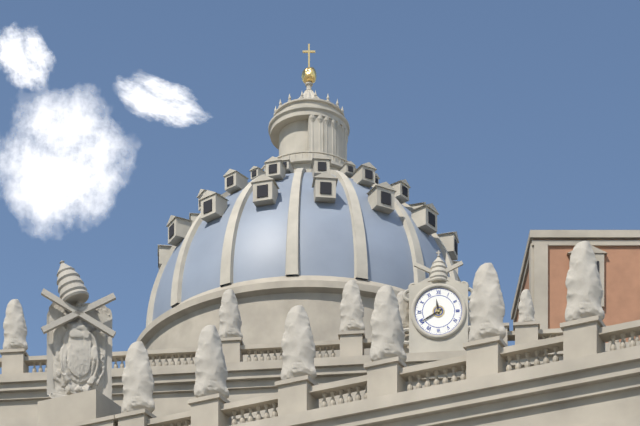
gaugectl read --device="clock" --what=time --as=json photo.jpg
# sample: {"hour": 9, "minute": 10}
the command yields {"hour": 11, "minute": 40}
